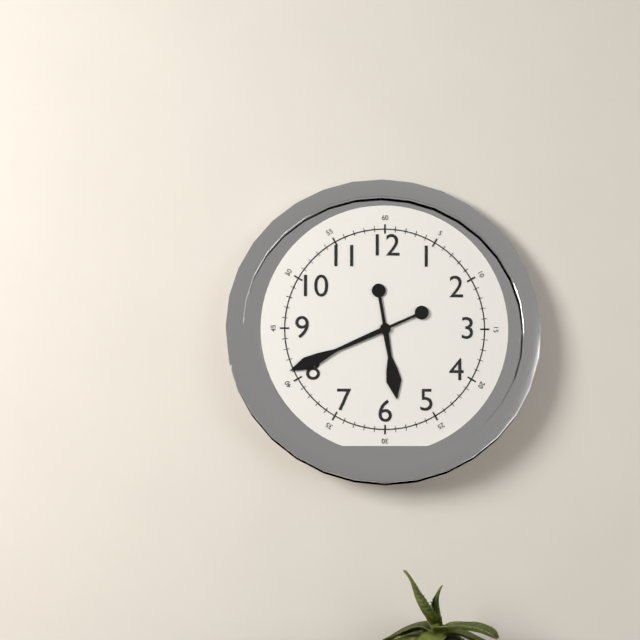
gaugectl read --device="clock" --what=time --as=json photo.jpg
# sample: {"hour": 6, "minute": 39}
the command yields {"hour": 5, "minute": 41}
